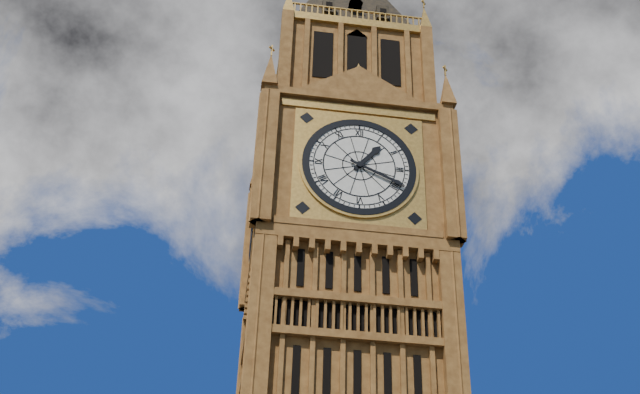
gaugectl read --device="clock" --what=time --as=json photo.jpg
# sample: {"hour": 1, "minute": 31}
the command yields {"hour": 1, "minute": 19}
